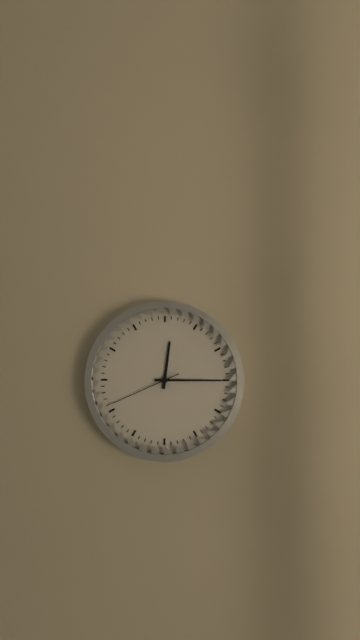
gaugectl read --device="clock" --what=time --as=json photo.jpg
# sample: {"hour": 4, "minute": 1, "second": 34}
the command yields {"hour": 12, "minute": 15, "second": 41}
